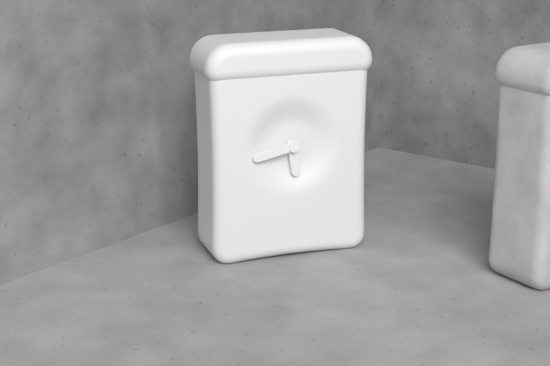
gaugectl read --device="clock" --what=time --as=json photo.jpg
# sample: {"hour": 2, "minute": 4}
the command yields {"hour": 5, "minute": 43}
